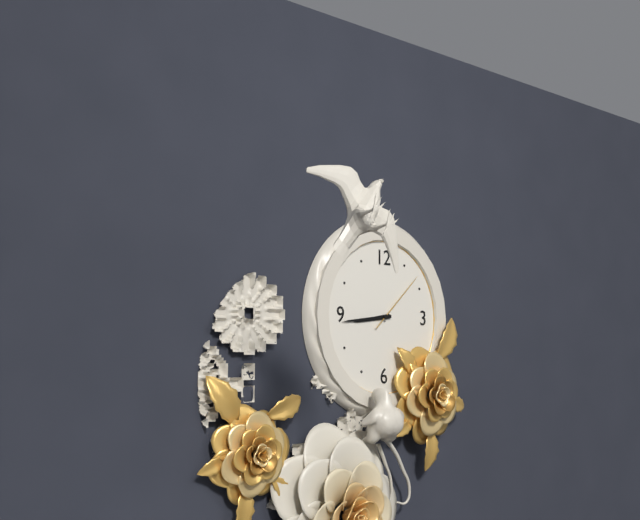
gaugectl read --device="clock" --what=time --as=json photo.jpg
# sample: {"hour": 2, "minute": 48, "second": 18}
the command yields {"hour": 8, "minute": 44, "second": 8}
